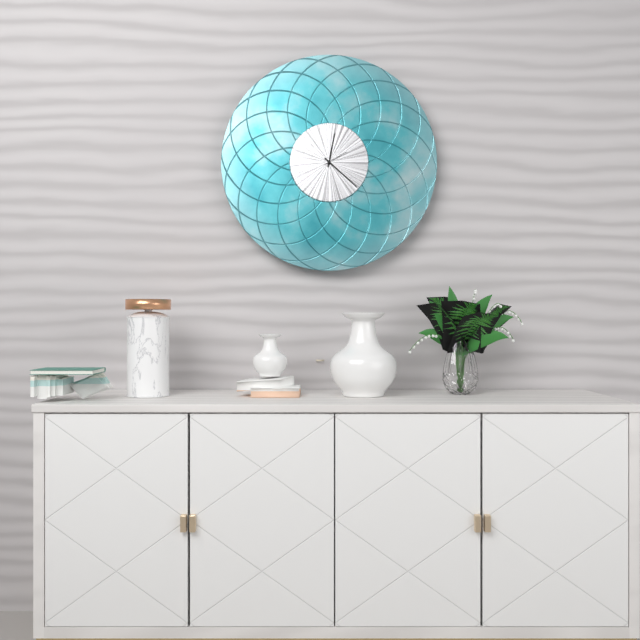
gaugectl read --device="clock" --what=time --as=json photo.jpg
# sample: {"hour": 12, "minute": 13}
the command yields {"hour": 12, "minute": 22}
